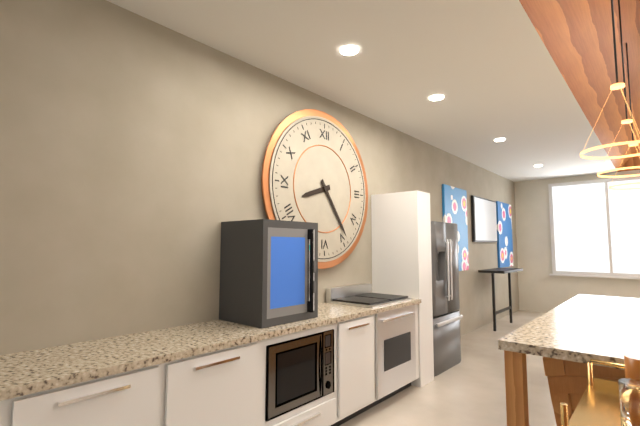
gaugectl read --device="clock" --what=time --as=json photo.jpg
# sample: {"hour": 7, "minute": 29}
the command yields {"hour": 8, "minute": 24}
